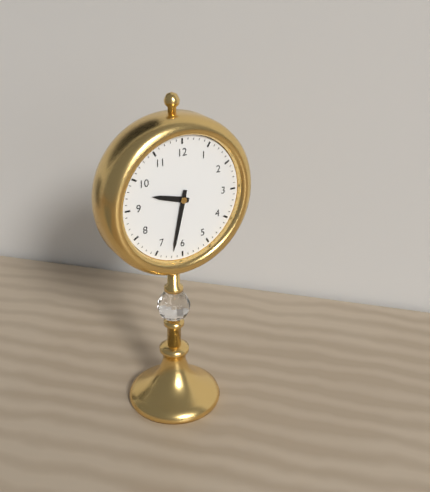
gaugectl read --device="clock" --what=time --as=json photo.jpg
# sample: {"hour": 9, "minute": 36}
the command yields {"hour": 9, "minute": 32}
